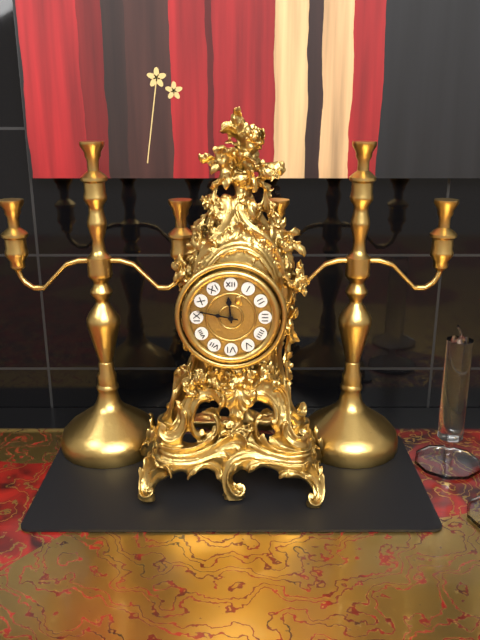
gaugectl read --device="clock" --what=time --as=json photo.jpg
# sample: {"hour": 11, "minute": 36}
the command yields {"hour": 11, "minute": 47}
